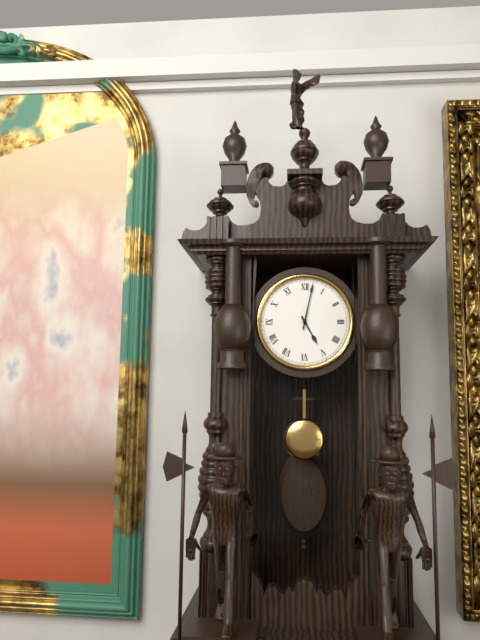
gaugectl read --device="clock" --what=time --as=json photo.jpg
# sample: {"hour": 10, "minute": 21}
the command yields {"hour": 5, "minute": 2}
